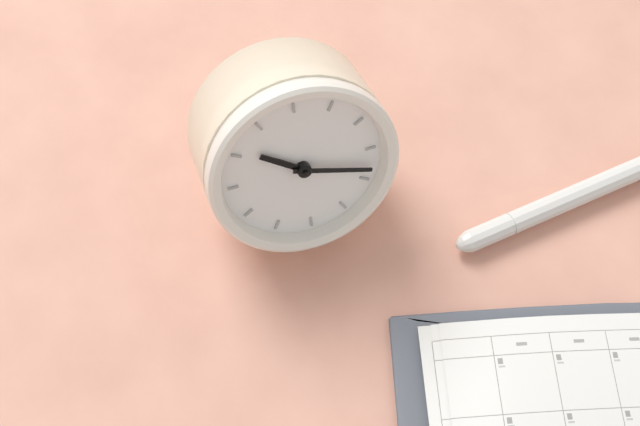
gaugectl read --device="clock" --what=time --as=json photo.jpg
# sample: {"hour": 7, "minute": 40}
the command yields {"hour": 9, "minute": 13}
